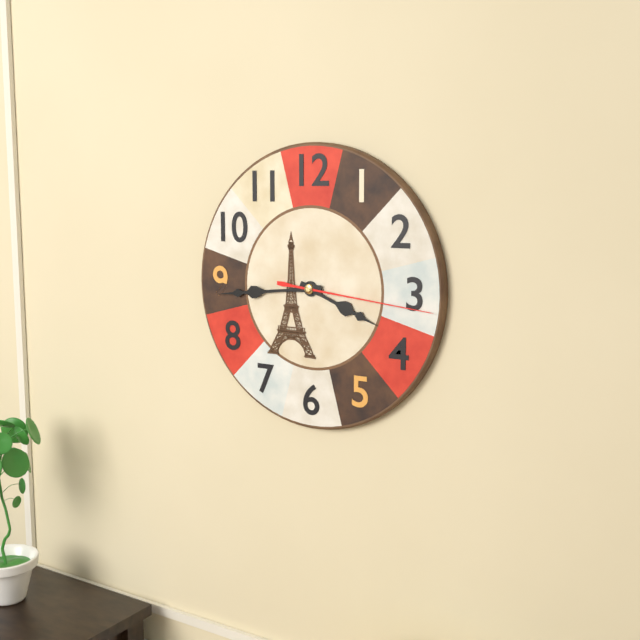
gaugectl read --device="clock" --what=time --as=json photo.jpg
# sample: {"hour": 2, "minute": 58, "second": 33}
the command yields {"hour": 3, "minute": 44, "second": 16}
